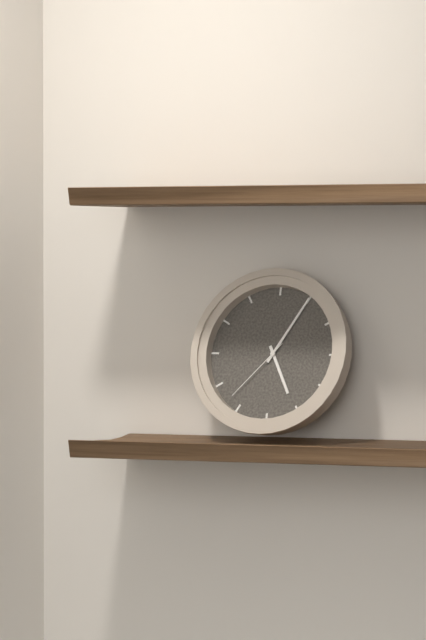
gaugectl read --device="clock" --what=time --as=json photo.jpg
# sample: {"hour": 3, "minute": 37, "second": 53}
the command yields {"hour": 5, "minute": 5, "second": 37}
